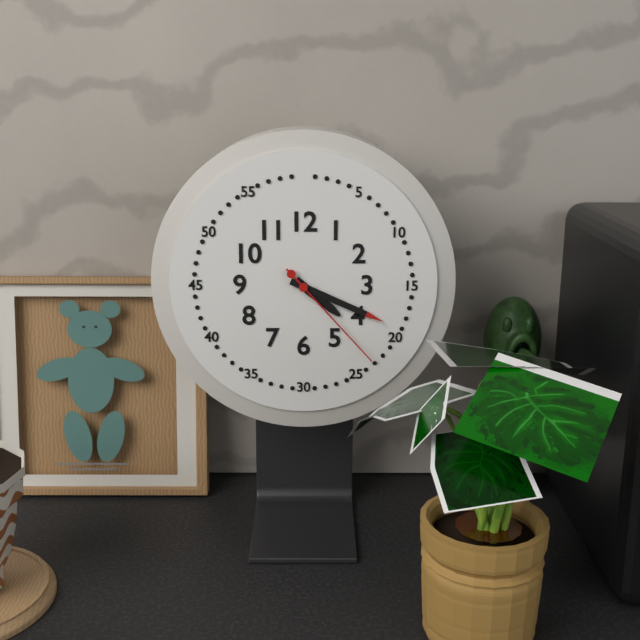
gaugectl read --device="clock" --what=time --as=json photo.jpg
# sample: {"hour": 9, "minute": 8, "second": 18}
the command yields {"hour": 4, "minute": 19, "second": 23}
